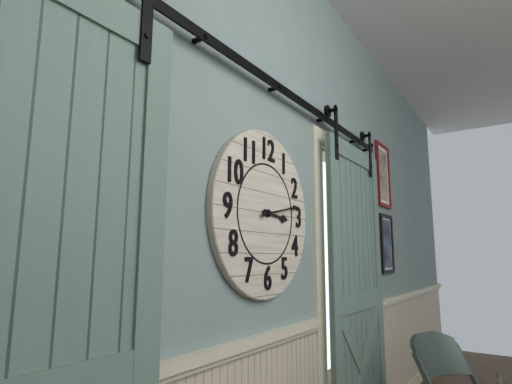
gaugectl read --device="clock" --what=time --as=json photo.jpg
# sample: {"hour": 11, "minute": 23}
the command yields {"hour": 3, "minute": 13}
